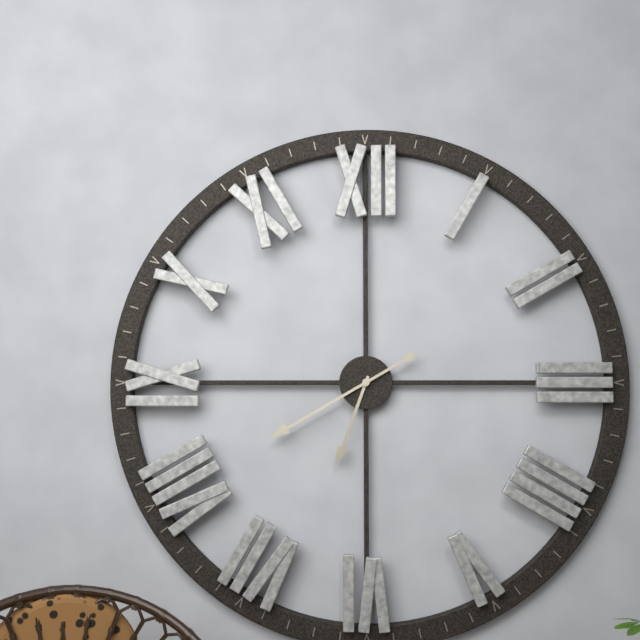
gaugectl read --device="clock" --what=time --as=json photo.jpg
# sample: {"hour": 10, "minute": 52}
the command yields {"hour": 6, "minute": 40}
